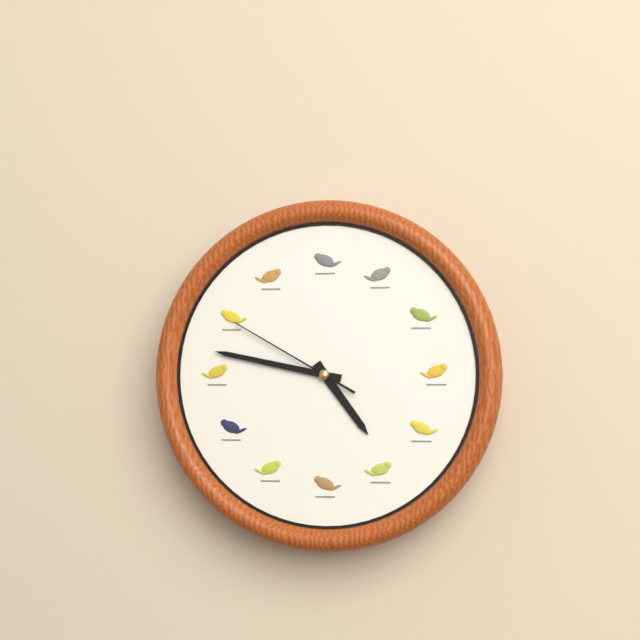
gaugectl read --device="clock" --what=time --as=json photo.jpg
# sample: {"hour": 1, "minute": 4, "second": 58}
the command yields {"hour": 4, "minute": 47, "second": 50}
